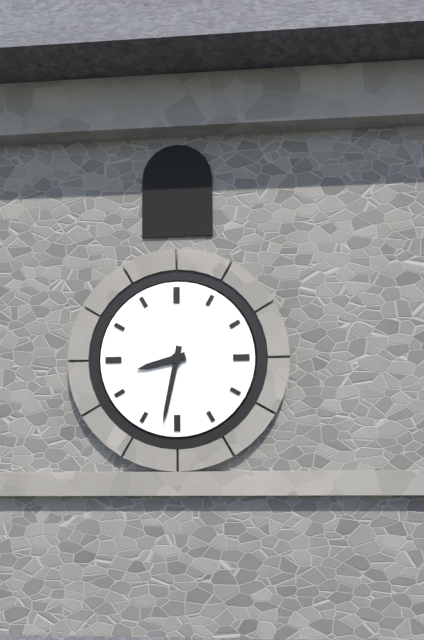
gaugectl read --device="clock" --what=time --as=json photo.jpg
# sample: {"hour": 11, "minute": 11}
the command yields {"hour": 8, "minute": 32}
